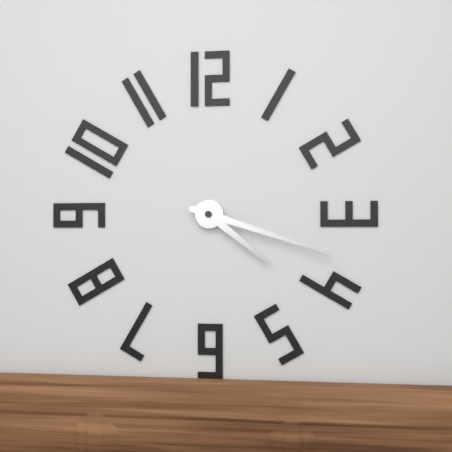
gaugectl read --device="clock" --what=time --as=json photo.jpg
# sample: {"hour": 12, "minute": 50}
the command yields {"hour": 4, "minute": 18}
